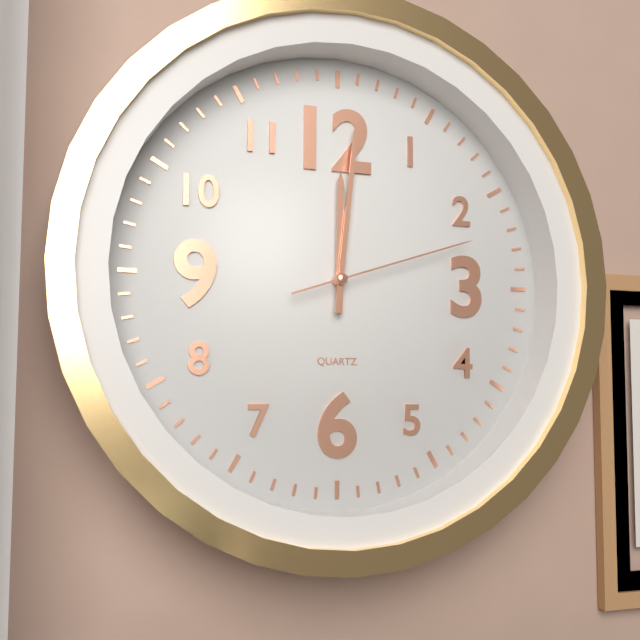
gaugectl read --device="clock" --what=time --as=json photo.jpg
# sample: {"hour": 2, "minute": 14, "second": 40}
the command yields {"hour": 12, "minute": 1, "second": 12}
